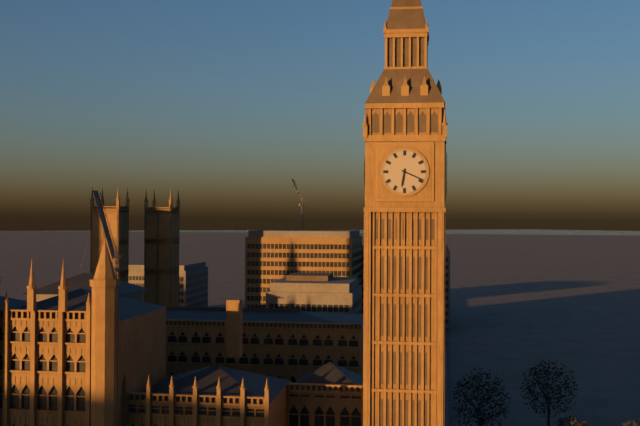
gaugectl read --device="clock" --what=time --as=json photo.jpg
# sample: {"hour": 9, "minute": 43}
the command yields {"hour": 6, "minute": 19}
